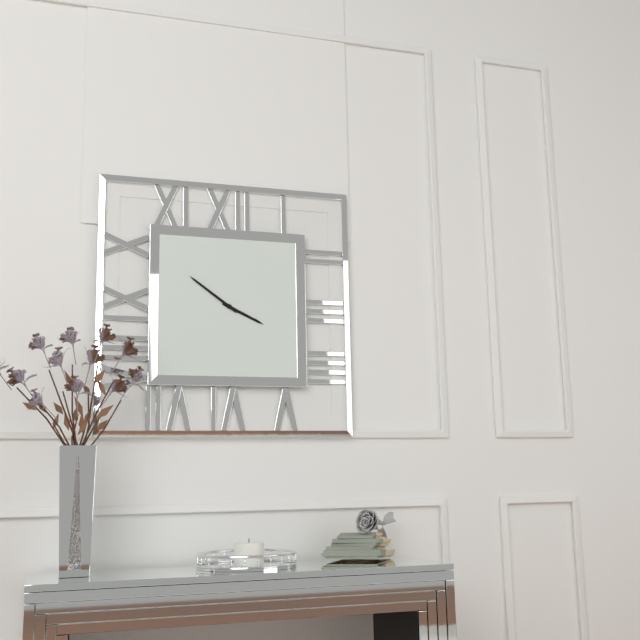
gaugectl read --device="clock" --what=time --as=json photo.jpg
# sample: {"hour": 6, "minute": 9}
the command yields {"hour": 3, "minute": 51}
